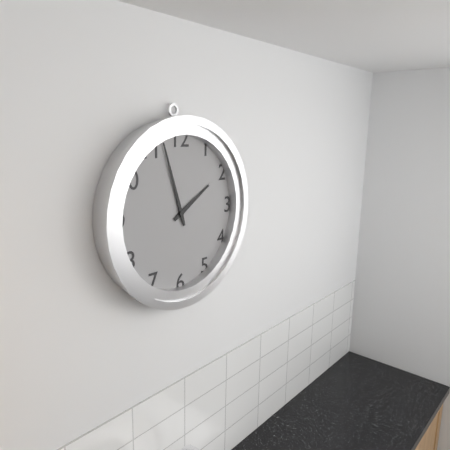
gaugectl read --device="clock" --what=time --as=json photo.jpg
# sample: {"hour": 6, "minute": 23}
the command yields {"hour": 1, "minute": 57}
